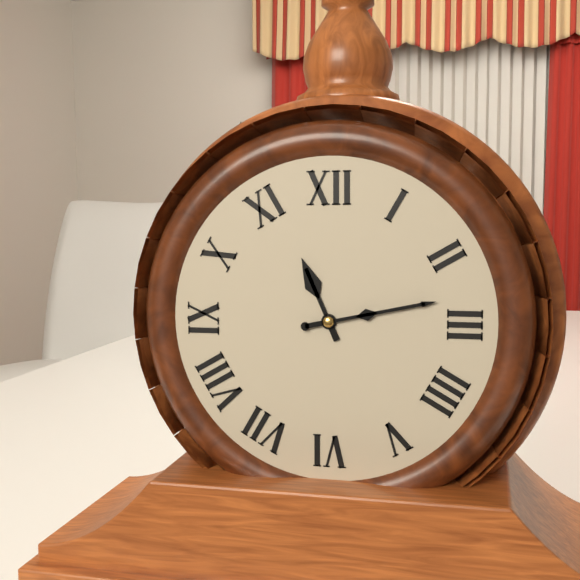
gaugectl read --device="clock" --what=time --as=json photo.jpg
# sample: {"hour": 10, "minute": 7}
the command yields {"hour": 11, "minute": 13}
